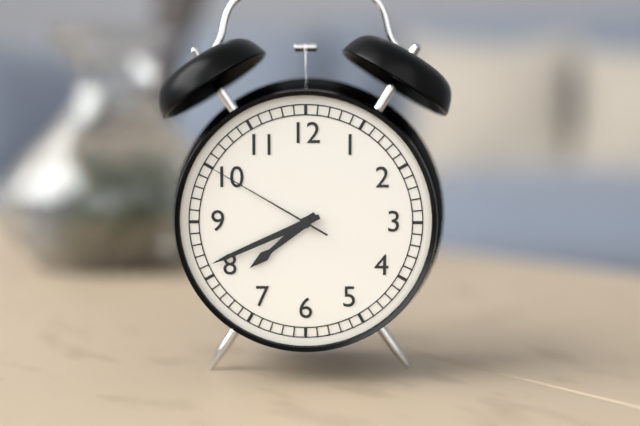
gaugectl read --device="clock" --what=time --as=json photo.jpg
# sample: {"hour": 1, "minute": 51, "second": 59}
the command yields {"hour": 7, "minute": 41, "second": 50}
